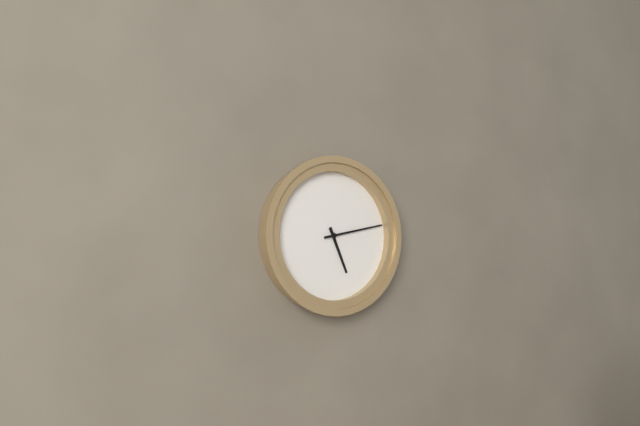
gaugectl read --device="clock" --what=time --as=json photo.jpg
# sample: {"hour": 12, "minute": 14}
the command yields {"hour": 5, "minute": 13}
